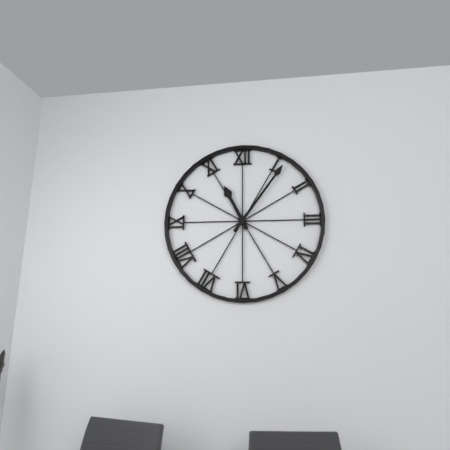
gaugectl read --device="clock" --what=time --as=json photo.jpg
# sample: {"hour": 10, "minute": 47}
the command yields {"hour": 11, "minute": 6}
